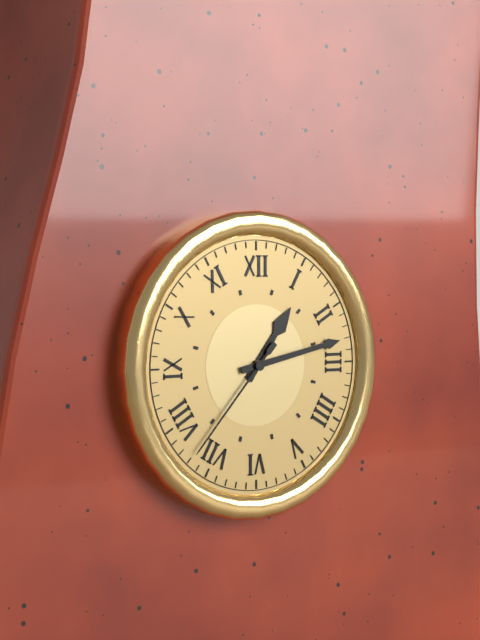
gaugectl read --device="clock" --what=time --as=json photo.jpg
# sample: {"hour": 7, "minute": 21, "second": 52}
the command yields {"hour": 1, "minute": 13, "second": 37}
